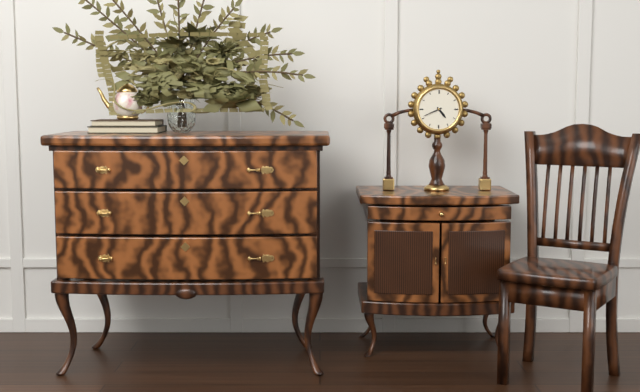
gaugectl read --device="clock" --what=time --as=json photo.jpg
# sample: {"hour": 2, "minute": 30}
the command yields {"hour": 4, "minute": 41}
